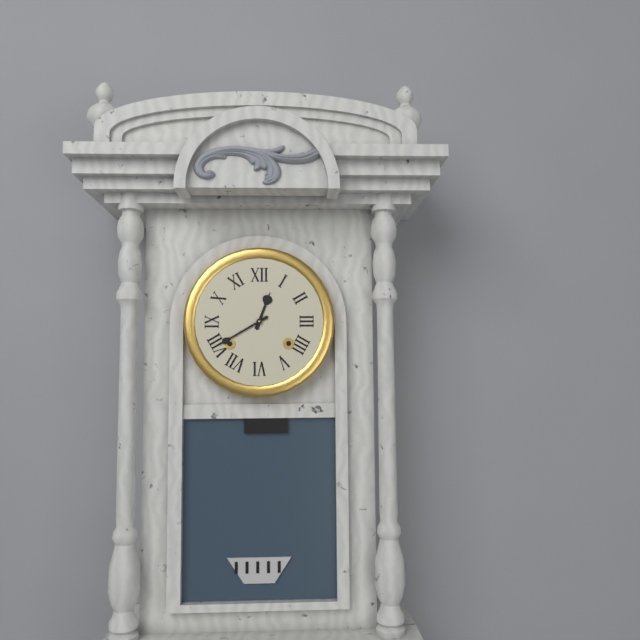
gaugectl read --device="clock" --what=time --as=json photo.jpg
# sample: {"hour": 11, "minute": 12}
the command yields {"hour": 12, "minute": 40}
